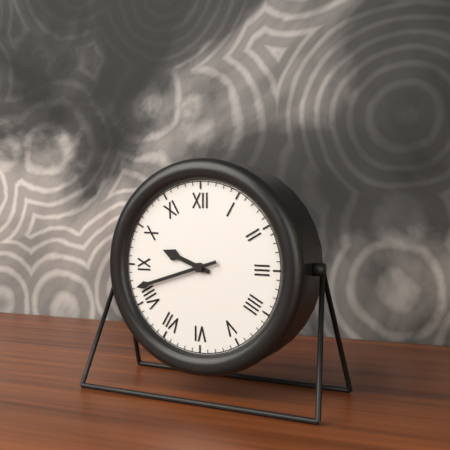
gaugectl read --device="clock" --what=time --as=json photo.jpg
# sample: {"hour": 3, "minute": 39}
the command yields {"hour": 9, "minute": 42}
